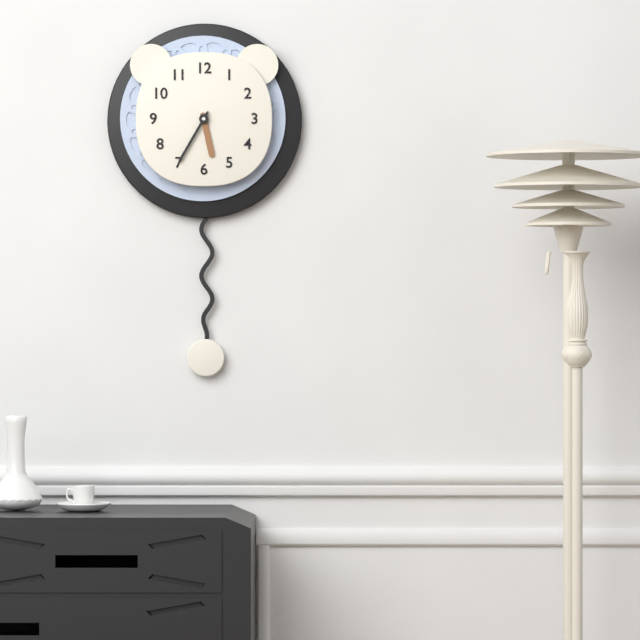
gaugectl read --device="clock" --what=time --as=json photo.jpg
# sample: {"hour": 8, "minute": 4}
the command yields {"hour": 5, "minute": 35}
